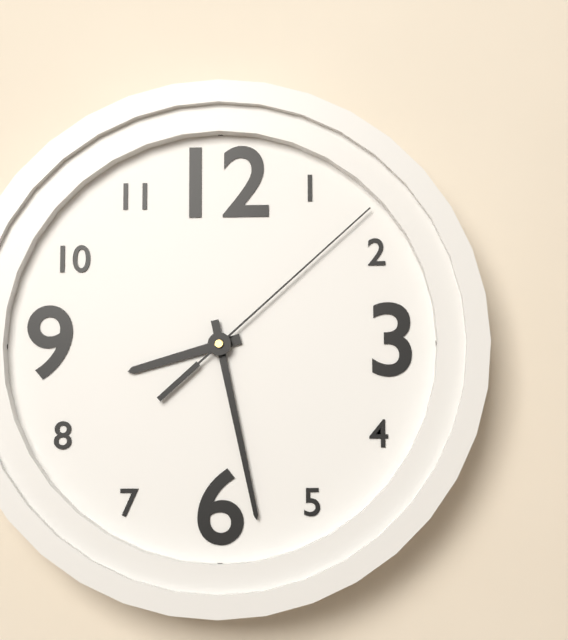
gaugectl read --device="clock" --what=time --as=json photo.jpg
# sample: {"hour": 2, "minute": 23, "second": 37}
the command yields {"hour": 8, "minute": 28, "second": 8}
